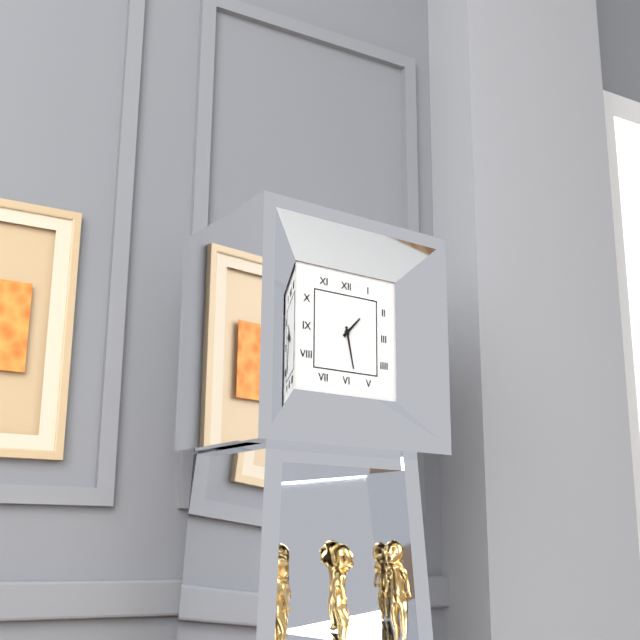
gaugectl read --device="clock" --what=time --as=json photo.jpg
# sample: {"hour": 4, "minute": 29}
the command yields {"hour": 1, "minute": 28}
